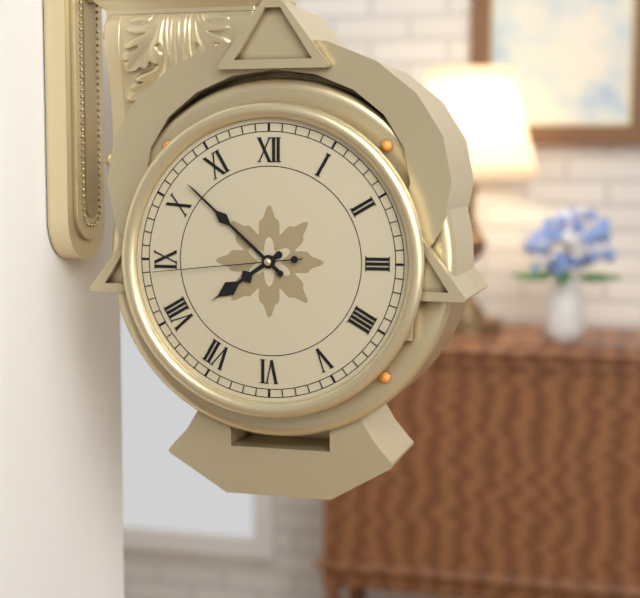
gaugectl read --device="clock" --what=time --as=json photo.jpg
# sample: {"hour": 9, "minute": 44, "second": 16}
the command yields {"hour": 7, "minute": 52, "second": 44}
